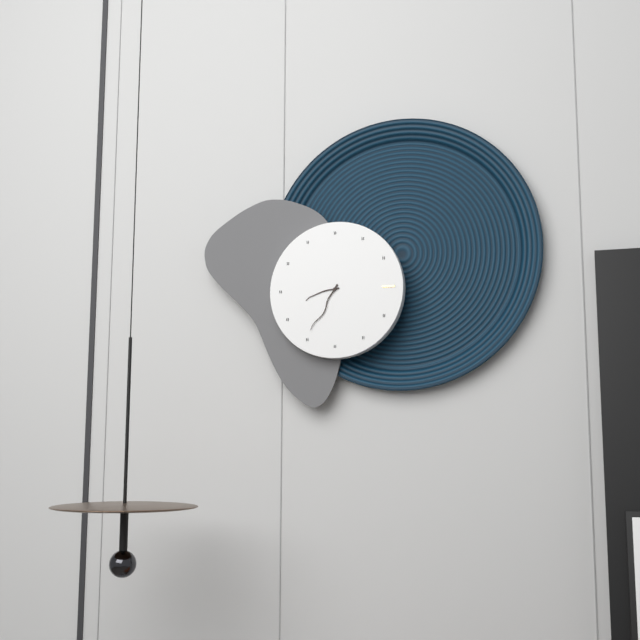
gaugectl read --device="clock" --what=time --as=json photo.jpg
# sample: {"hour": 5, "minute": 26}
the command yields {"hour": 8, "minute": 35}
